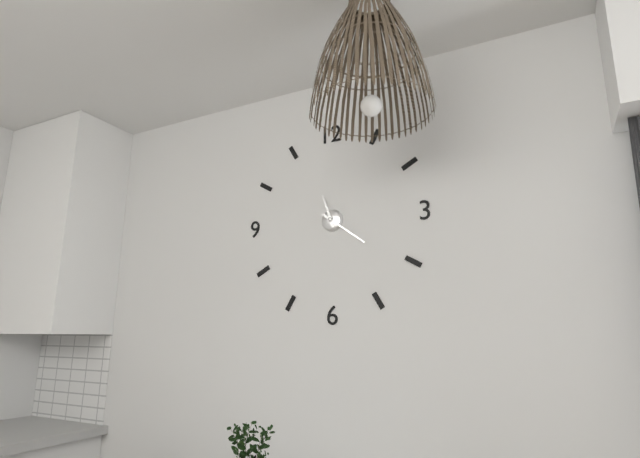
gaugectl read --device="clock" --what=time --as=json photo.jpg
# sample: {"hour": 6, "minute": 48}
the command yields {"hour": 11, "minute": 21}
